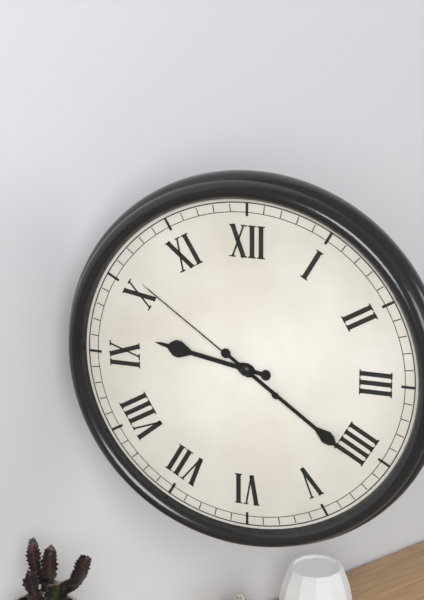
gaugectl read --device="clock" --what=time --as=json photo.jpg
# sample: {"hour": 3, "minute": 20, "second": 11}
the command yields {"hour": 9, "minute": 21, "second": 51}
